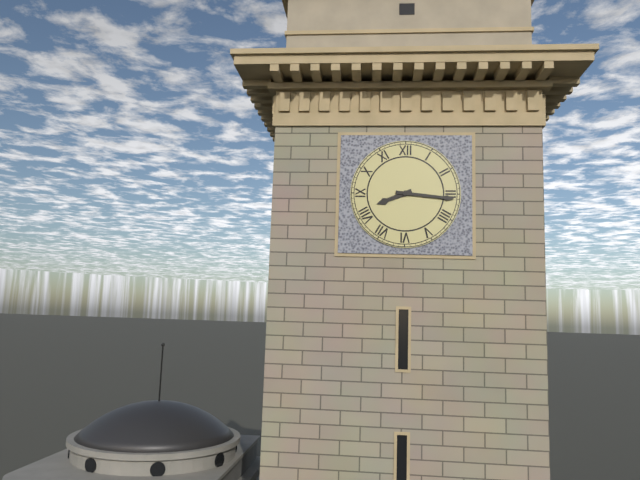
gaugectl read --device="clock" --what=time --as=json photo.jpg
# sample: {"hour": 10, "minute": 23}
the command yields {"hour": 8, "minute": 16}
